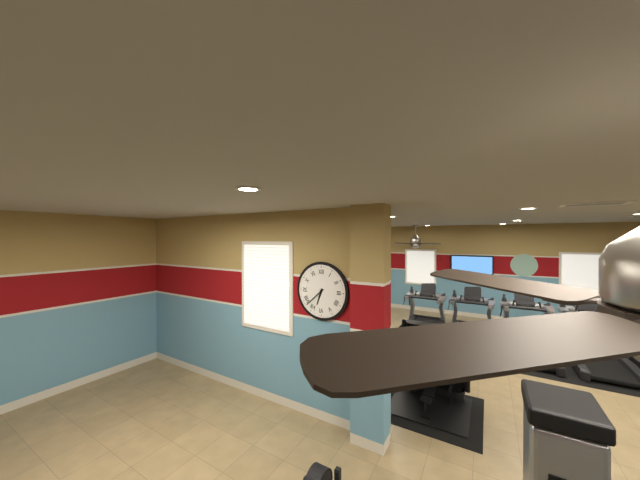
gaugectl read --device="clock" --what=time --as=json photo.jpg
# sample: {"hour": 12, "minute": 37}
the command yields {"hour": 6, "minute": 38}
